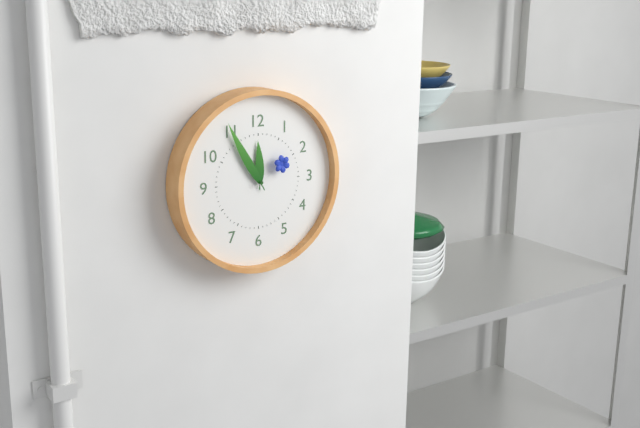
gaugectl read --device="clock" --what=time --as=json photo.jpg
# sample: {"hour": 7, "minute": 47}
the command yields {"hour": 11, "minute": 55}
